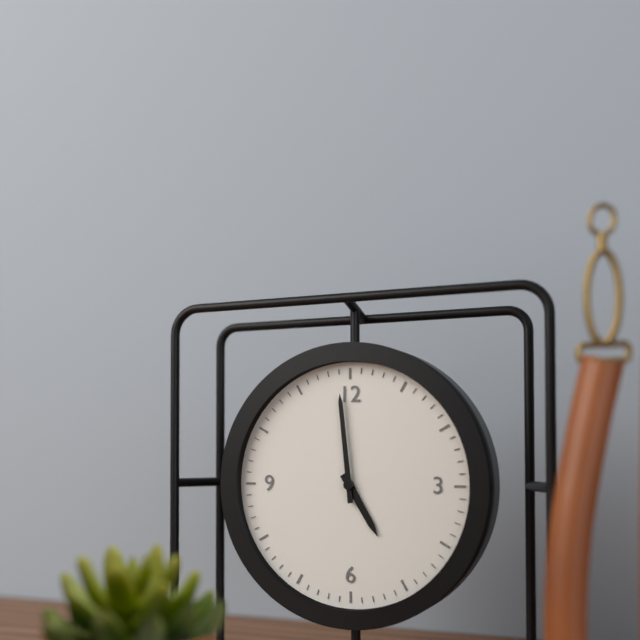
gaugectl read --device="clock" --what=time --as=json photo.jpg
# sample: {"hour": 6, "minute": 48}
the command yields {"hour": 4, "minute": 59}
